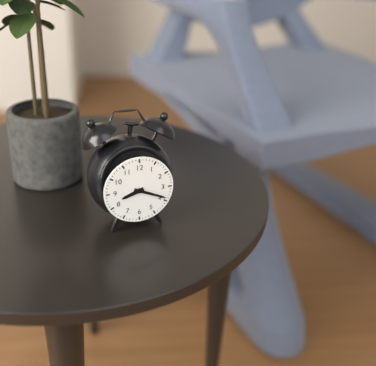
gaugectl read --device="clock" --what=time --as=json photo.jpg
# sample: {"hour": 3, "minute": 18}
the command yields {"hour": 8, "minute": 19}
